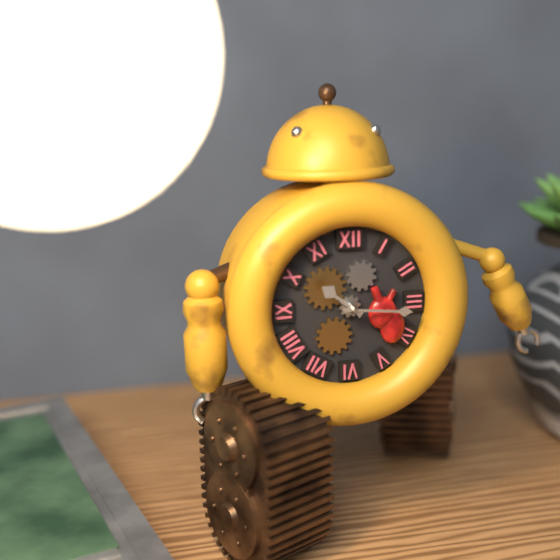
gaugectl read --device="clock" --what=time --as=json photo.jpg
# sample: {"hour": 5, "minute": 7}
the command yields {"hour": 10, "minute": 16}
